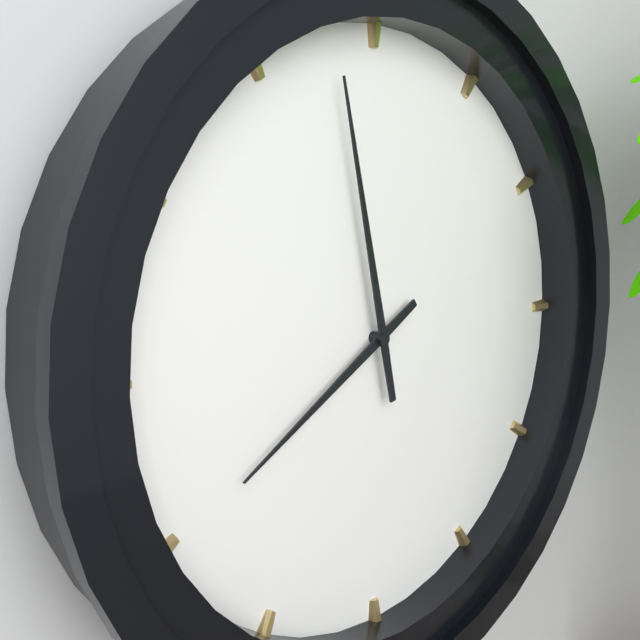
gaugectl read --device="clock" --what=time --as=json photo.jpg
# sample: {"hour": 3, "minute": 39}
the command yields {"hour": 7, "minute": 58}
